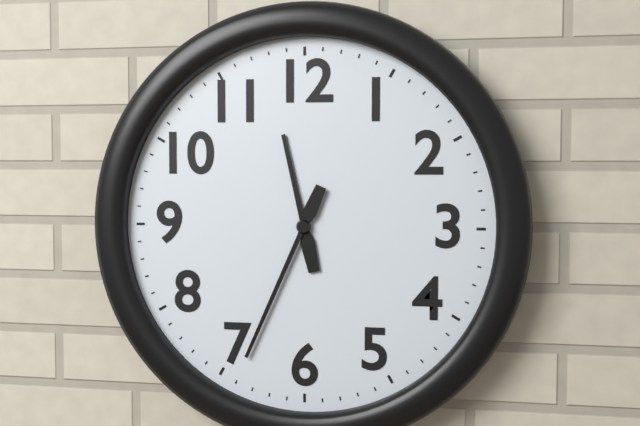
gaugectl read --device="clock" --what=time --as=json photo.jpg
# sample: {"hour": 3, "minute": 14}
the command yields {"hour": 11, "minute": 34}
